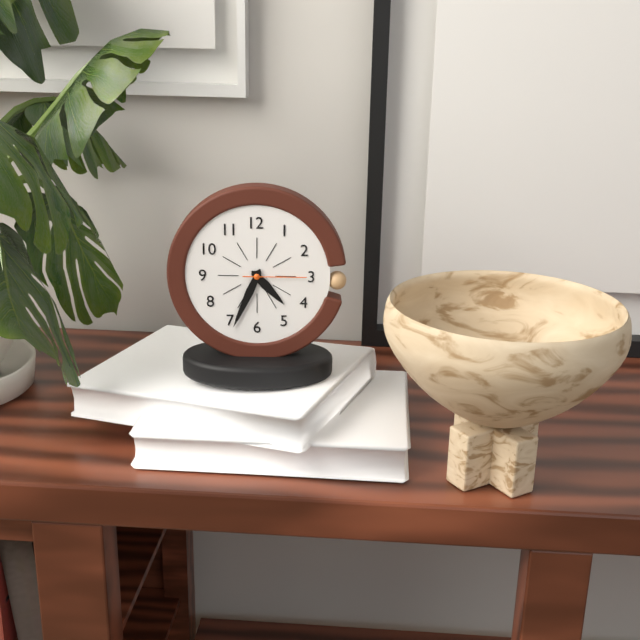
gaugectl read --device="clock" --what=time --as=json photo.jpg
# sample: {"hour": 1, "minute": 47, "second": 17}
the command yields {"hour": 4, "minute": 34, "second": 15}
